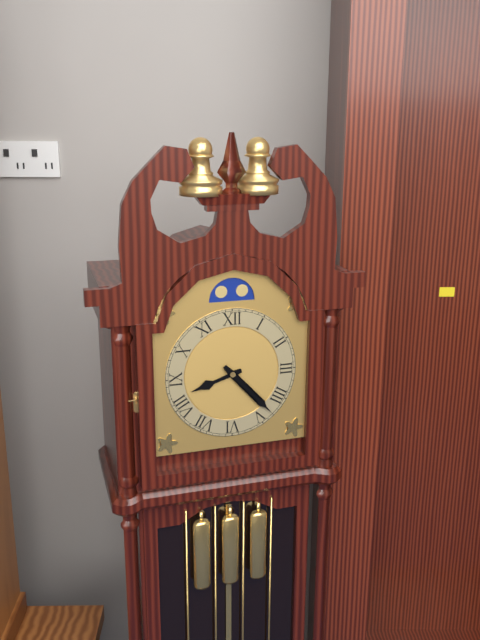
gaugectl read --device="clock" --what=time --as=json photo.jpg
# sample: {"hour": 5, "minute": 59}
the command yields {"hour": 8, "minute": 23}
